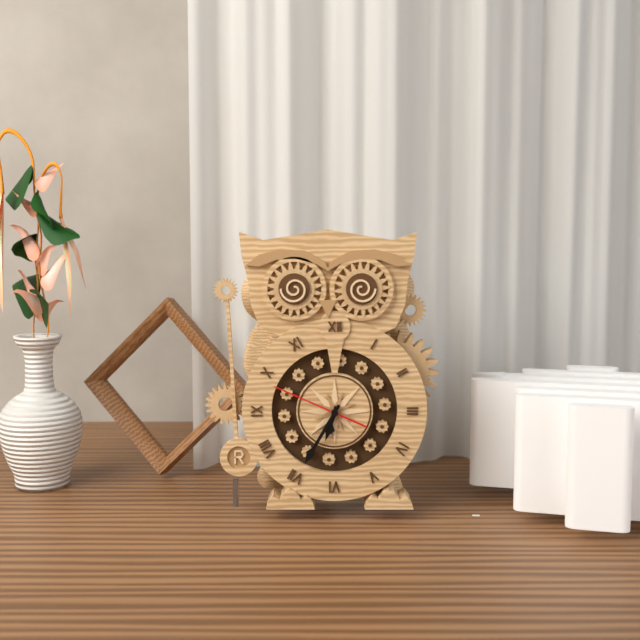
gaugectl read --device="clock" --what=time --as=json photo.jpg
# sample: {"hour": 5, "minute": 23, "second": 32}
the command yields {"hour": 6, "minute": 35, "second": 49}
